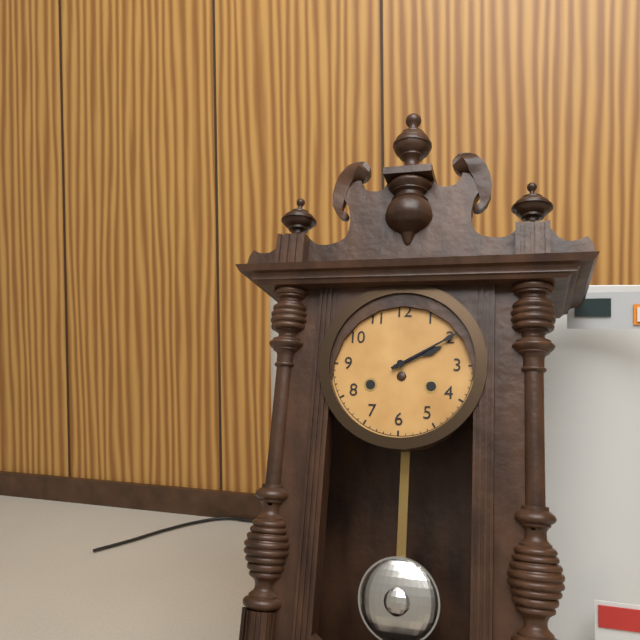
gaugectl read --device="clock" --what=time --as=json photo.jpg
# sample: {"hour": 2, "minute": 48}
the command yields {"hour": 2, "minute": 10}
